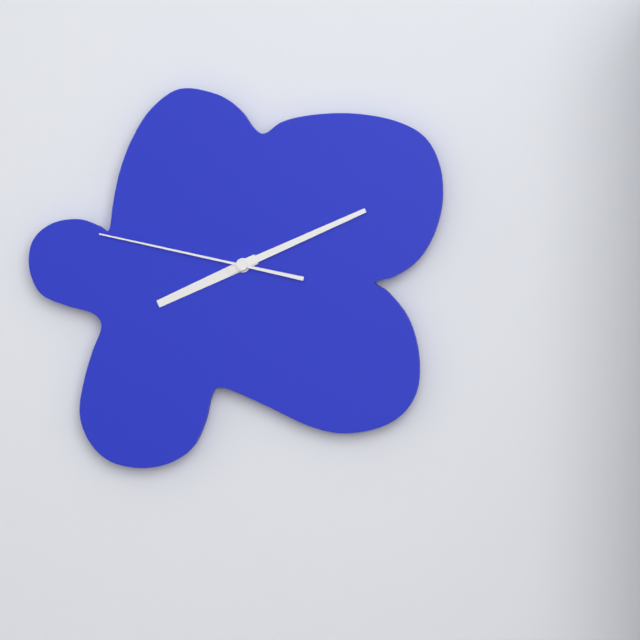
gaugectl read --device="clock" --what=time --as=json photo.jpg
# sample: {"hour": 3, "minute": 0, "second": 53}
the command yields {"hour": 8, "minute": 11, "second": 47}
